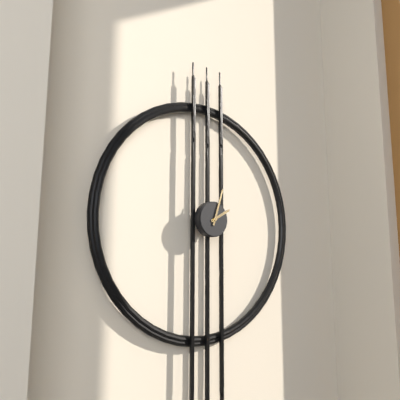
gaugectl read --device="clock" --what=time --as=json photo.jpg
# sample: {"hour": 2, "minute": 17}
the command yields {"hour": 2, "minute": 3}
